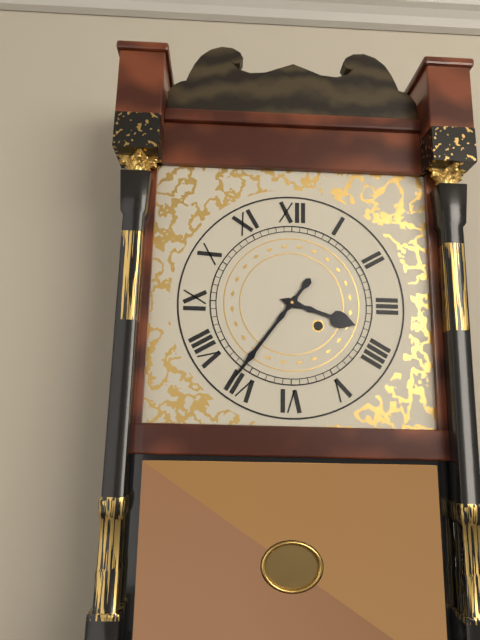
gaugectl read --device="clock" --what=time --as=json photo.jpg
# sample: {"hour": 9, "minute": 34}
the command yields {"hour": 3, "minute": 36}
